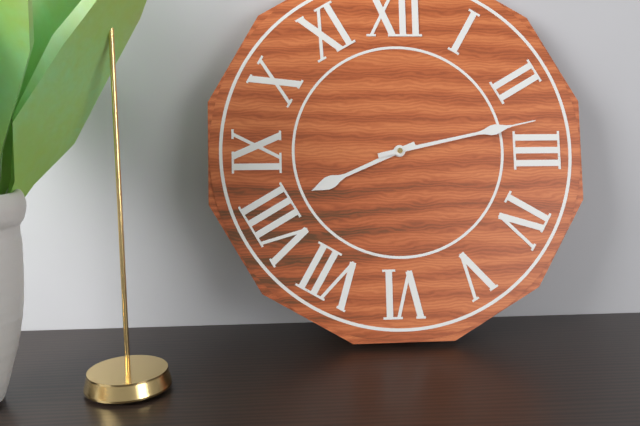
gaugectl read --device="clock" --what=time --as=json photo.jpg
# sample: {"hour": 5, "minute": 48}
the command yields {"hour": 8, "minute": 13}
